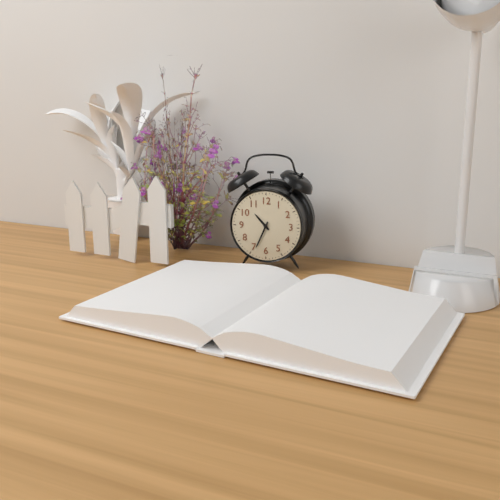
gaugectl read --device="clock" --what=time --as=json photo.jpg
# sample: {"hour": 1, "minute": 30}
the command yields {"hour": 10, "minute": 34}
